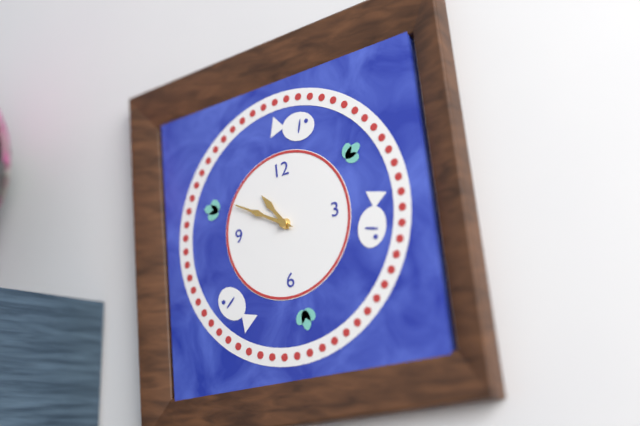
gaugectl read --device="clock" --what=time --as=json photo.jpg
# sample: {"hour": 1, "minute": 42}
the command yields {"hour": 10, "minute": 50}
